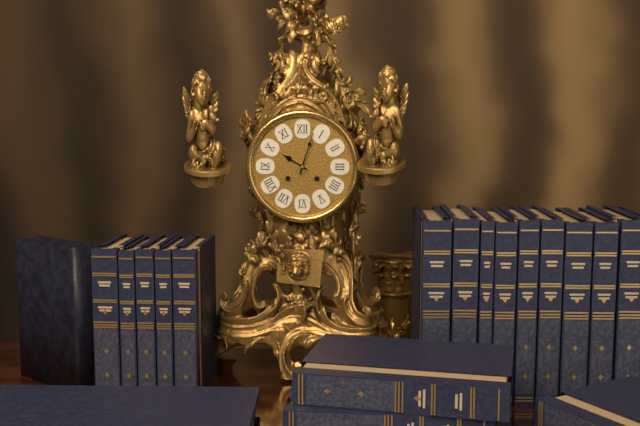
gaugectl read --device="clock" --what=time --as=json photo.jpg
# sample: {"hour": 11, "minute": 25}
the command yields {"hour": 10, "minute": 3}
